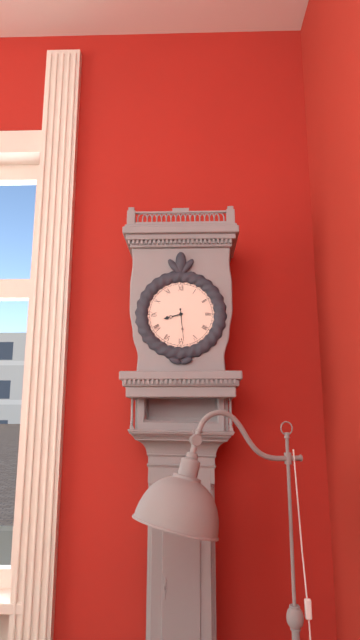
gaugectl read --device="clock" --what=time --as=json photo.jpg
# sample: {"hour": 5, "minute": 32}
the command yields {"hour": 8, "minute": 29}
